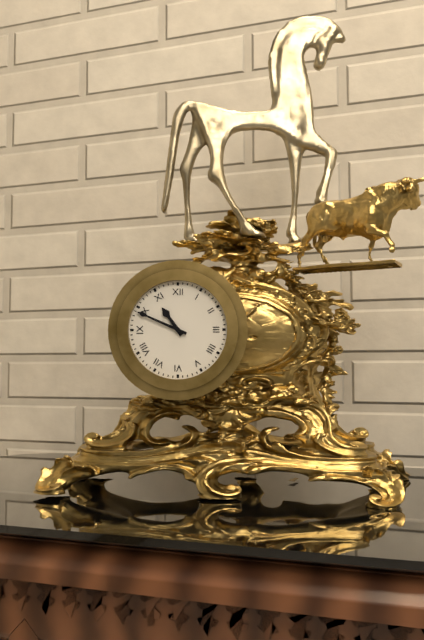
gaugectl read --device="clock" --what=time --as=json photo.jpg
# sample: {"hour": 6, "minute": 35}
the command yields {"hour": 10, "minute": 49}
